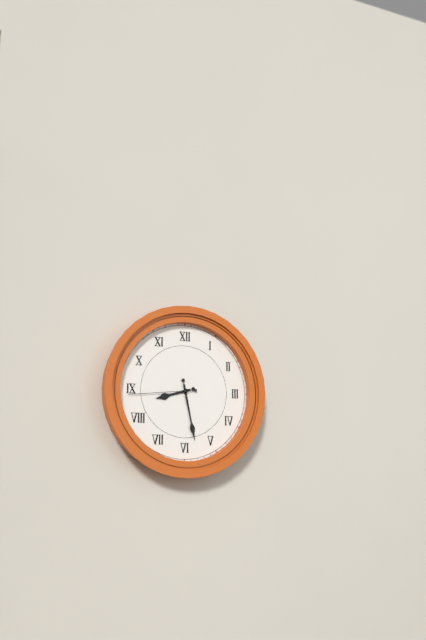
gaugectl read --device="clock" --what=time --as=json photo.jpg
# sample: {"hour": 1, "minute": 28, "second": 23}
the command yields {"hour": 8, "minute": 28, "second": 44}
